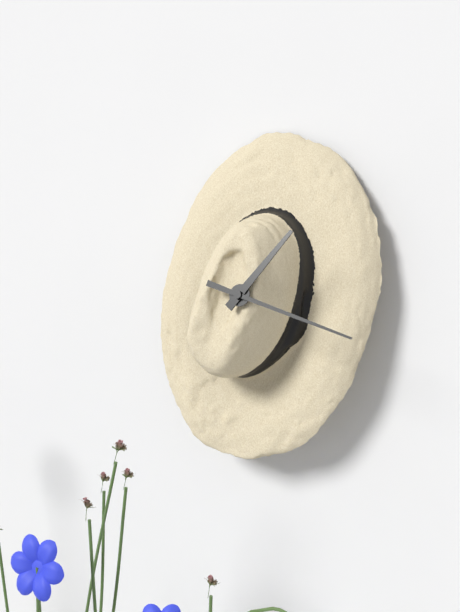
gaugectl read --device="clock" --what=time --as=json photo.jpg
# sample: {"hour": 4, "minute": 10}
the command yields {"hour": 1, "minute": 18}
